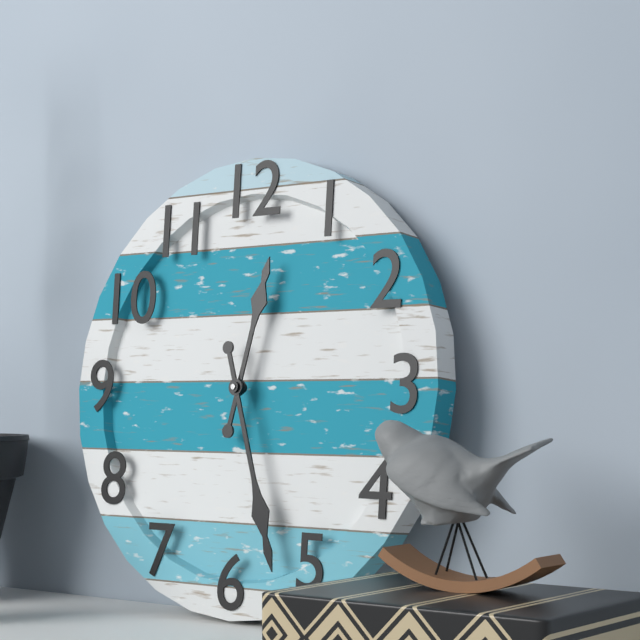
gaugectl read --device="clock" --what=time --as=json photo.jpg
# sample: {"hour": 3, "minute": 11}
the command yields {"hour": 12, "minute": 27}
